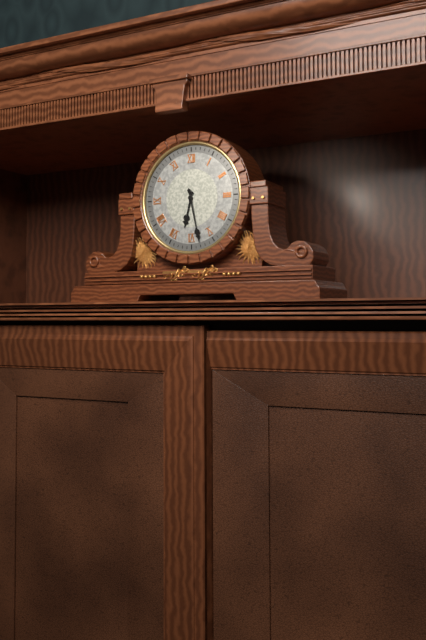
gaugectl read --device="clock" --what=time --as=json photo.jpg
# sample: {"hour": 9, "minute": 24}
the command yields {"hour": 6, "minute": 28}
